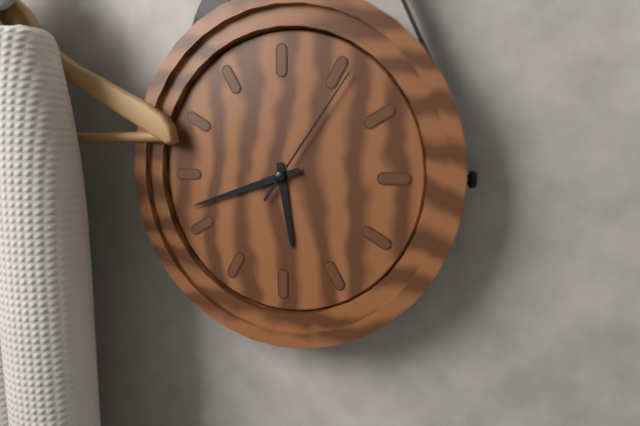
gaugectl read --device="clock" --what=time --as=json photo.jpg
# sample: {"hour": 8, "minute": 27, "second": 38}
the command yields {"hour": 5, "minute": 42, "second": 6}
